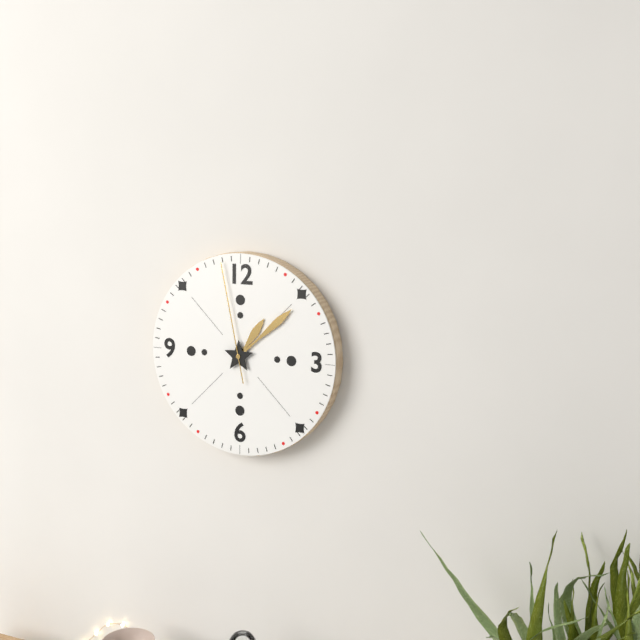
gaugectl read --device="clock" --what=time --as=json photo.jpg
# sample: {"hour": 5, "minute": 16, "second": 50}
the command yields {"hour": 1, "minute": 8, "second": 58}
